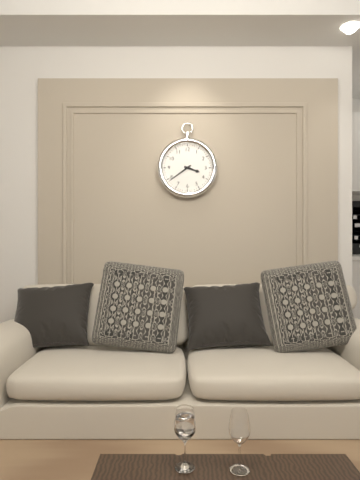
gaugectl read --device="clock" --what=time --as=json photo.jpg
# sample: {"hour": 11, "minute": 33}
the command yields {"hour": 3, "minute": 39}
